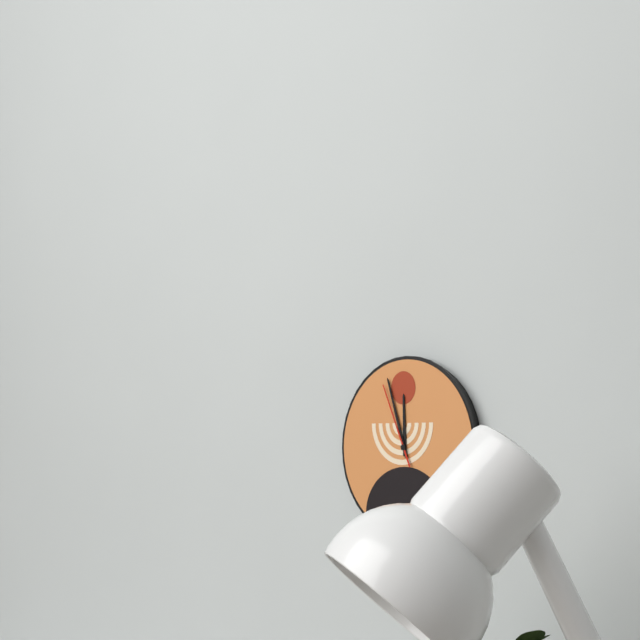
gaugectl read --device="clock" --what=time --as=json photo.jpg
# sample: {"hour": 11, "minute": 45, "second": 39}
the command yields {"hour": 11, "minute": 57, "second": 56}
